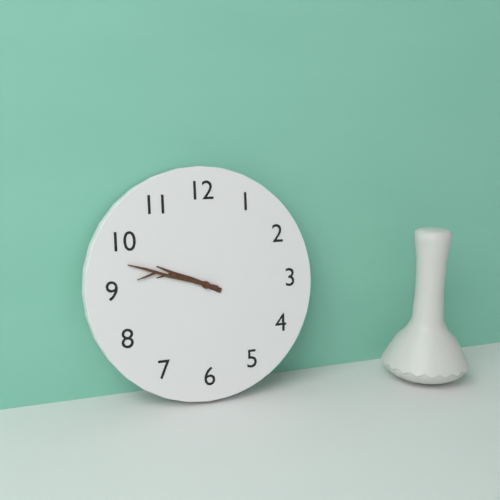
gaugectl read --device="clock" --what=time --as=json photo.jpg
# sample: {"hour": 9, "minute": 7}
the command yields {"hour": 9, "minute": 48}
